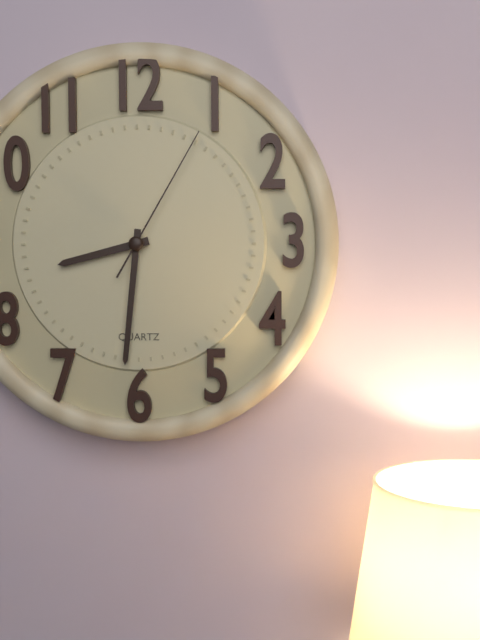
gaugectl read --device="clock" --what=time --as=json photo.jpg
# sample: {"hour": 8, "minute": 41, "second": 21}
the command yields {"hour": 8, "minute": 31, "second": 5}
